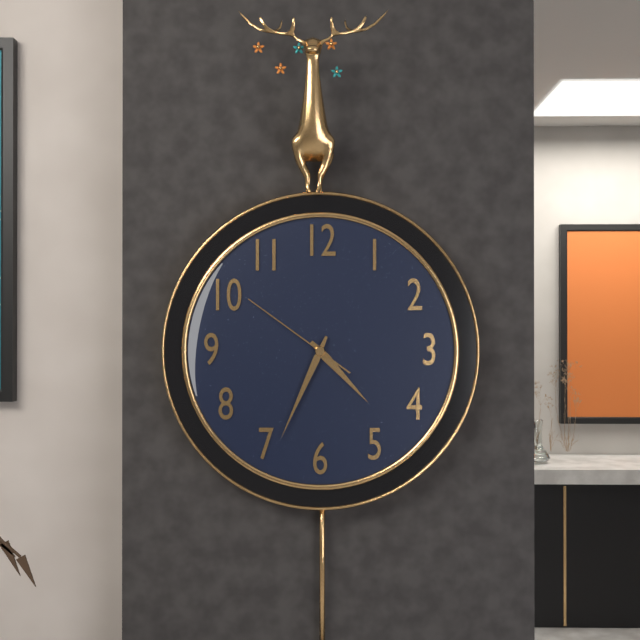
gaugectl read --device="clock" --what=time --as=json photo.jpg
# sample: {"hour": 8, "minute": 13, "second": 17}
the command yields {"hour": 4, "minute": 34, "second": 51}
